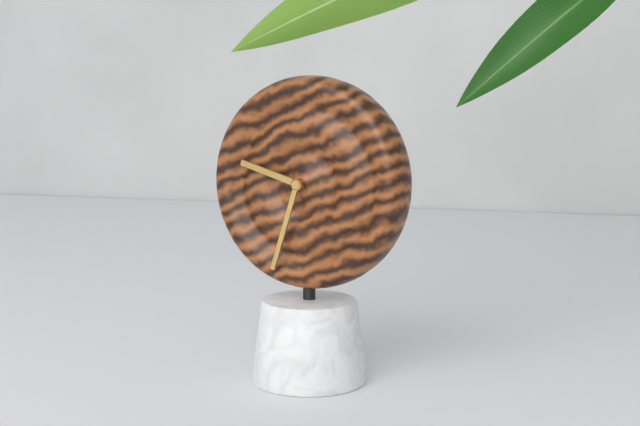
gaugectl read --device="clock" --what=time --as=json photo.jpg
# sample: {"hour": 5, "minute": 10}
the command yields {"hour": 9, "minute": 33}
